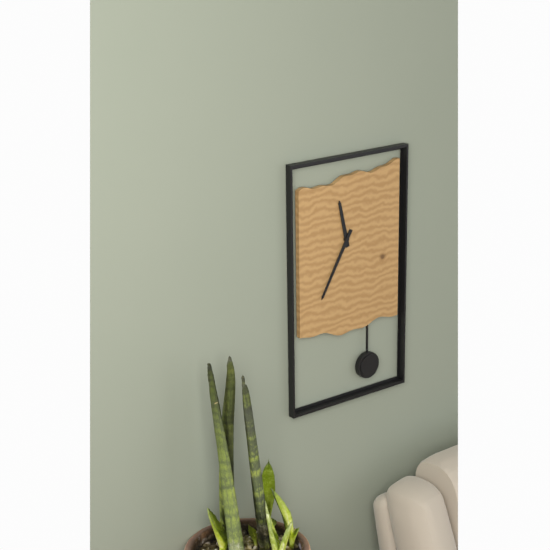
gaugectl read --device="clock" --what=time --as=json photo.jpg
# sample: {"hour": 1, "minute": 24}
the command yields {"hour": 11, "minute": 35}
